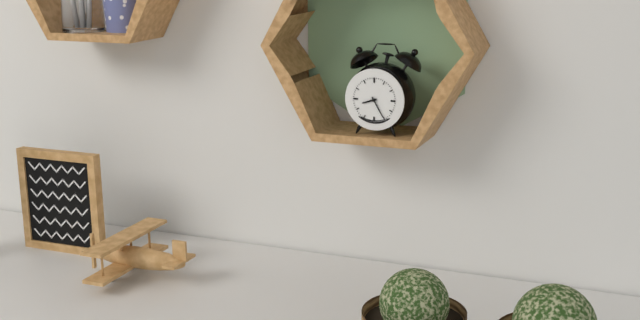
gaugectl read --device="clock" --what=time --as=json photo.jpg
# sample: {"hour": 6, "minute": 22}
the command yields {"hour": 8, "minute": 25}
